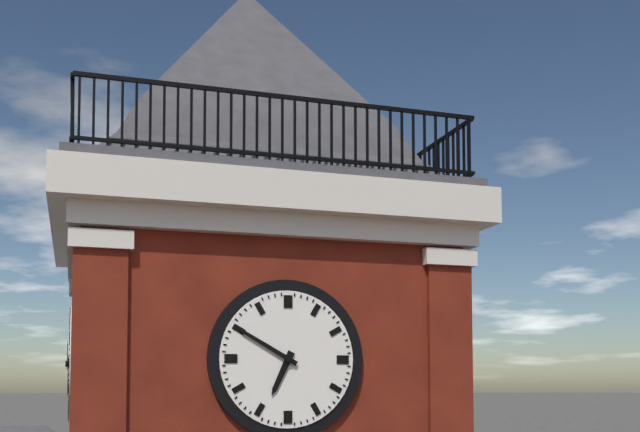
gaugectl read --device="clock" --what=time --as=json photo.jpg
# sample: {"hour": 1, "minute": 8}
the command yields {"hour": 6, "minute": 50}
